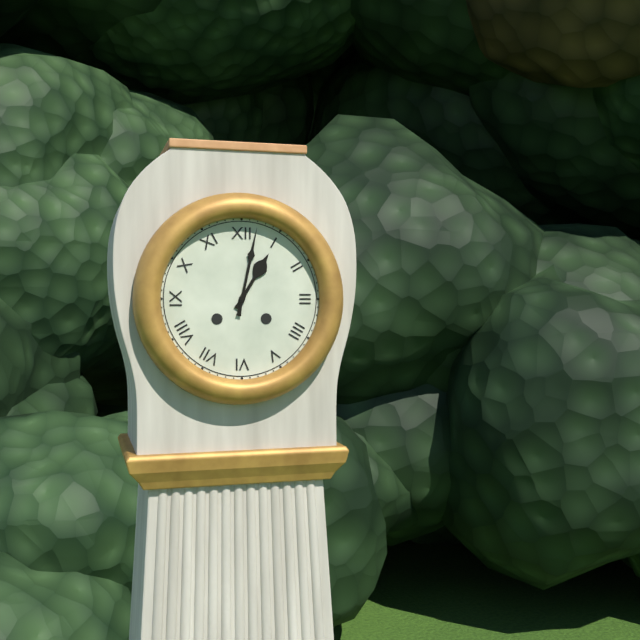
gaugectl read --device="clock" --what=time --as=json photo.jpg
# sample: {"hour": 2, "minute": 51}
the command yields {"hour": 1, "minute": 2}
